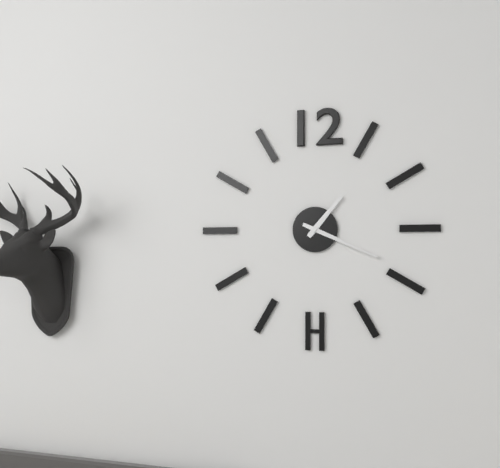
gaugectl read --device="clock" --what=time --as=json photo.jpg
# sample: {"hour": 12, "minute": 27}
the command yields {"hour": 1, "minute": 19}
